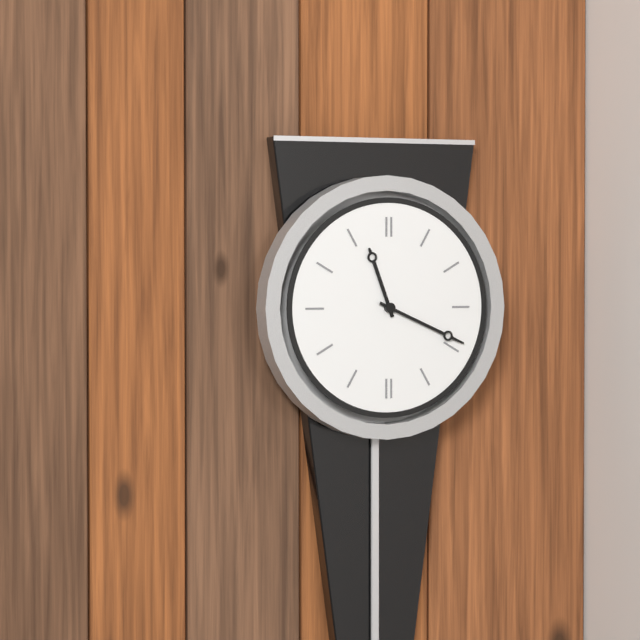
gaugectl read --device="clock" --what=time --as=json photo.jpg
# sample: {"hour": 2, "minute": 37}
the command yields {"hour": 11, "minute": 19}
